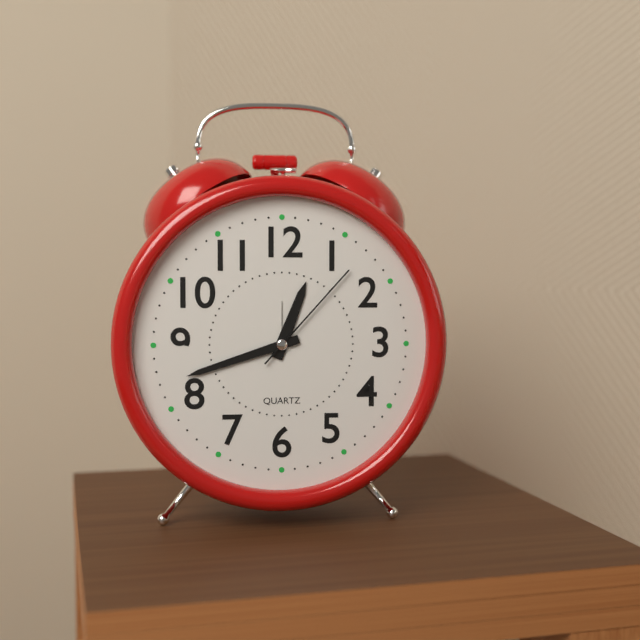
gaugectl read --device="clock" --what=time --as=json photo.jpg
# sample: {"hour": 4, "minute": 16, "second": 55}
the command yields {"hour": 12, "minute": 42, "second": 7}
